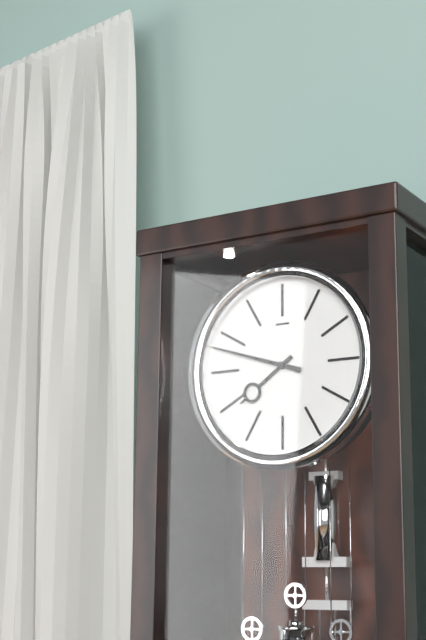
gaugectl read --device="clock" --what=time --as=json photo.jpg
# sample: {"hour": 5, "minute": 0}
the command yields {"hour": 7, "minute": 48}
